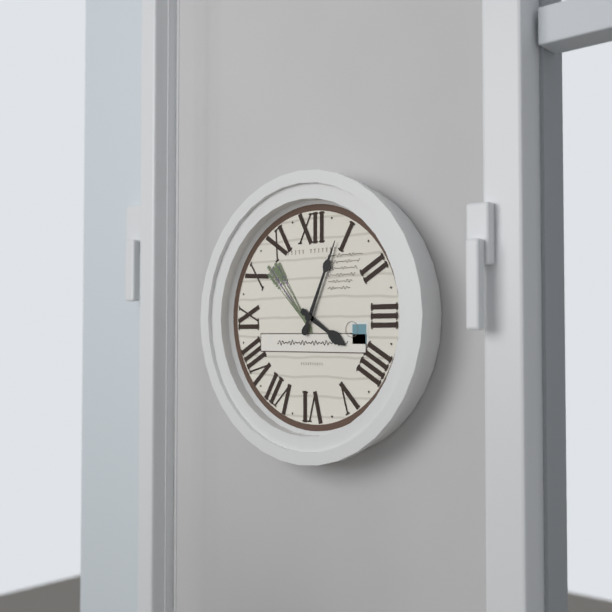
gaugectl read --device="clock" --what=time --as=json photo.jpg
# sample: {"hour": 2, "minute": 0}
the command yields {"hour": 4, "minute": 4}
